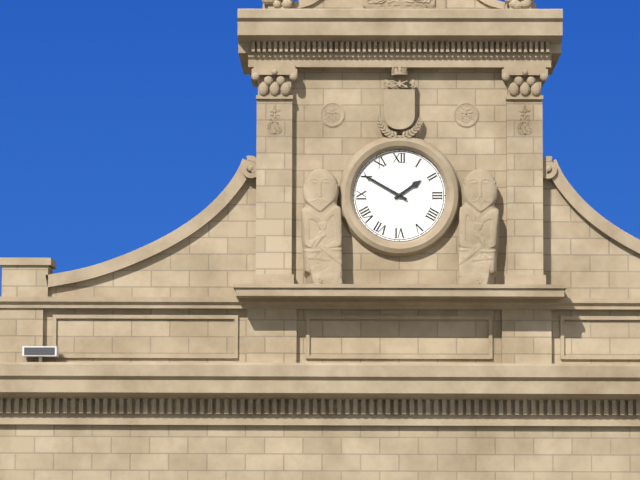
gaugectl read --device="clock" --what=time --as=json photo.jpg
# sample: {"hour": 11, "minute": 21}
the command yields {"hour": 1, "minute": 50}
